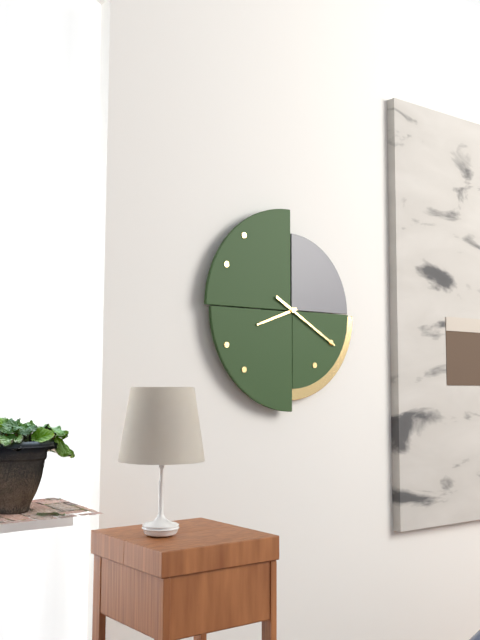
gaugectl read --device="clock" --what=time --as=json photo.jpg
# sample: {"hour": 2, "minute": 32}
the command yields {"hour": 8, "minute": 20}
